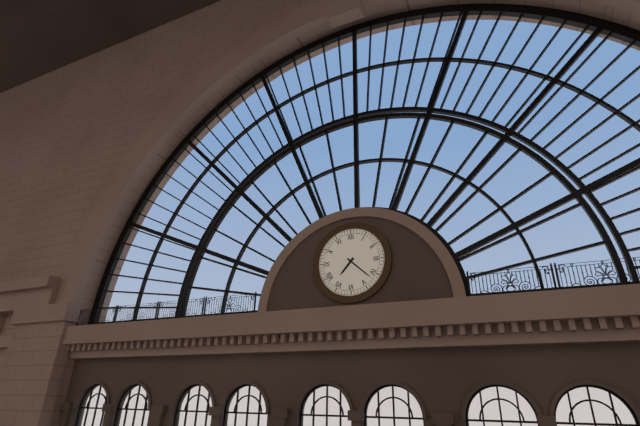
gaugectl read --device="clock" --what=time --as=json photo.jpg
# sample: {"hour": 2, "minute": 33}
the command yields {"hour": 7, "minute": 22}
